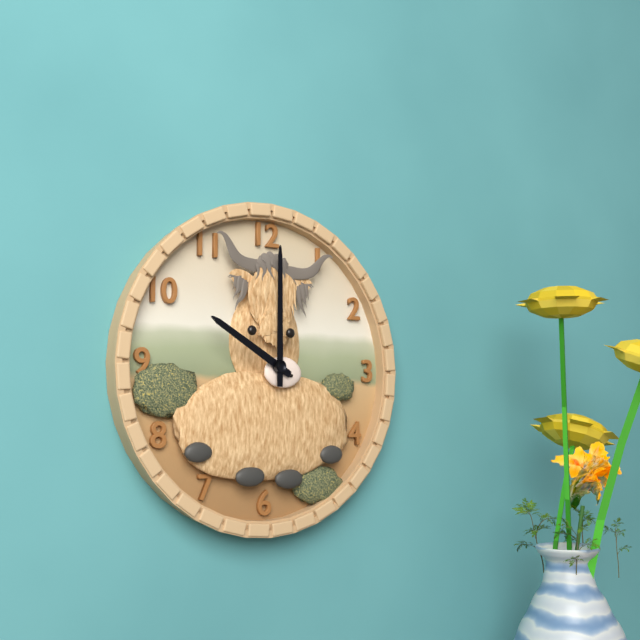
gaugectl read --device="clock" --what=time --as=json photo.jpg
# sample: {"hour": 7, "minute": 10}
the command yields {"hour": 10, "minute": 0}
